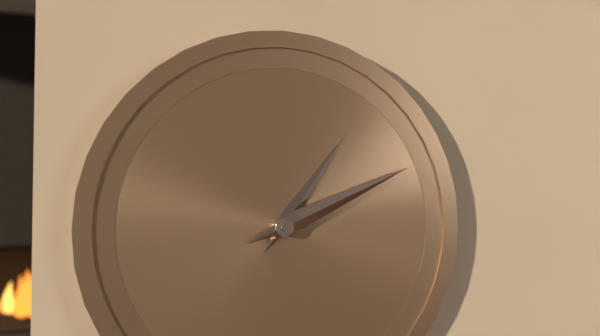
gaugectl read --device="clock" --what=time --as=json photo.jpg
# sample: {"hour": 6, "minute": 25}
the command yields {"hour": 1, "minute": 11}
